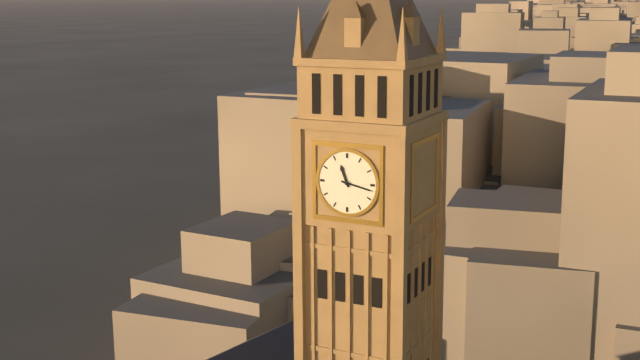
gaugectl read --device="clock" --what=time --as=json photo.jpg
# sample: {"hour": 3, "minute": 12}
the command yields {"hour": 11, "minute": 17}
